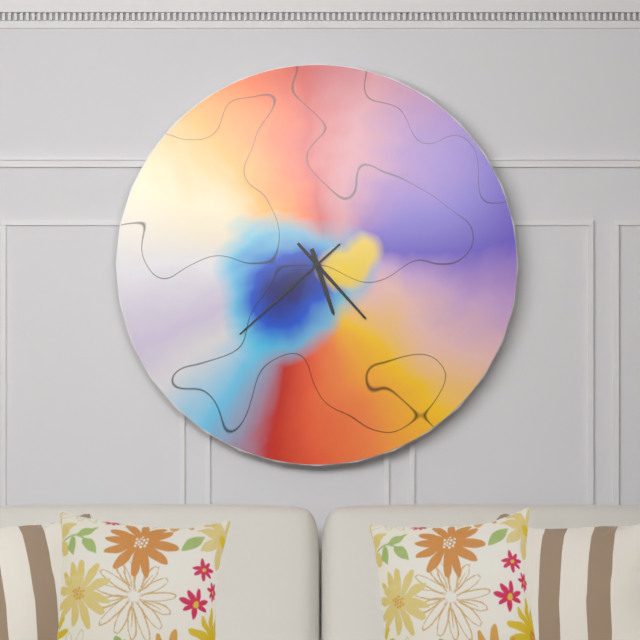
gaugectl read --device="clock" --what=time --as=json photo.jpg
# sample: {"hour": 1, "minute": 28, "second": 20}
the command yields {"hour": 5, "minute": 23, "second": 38}
